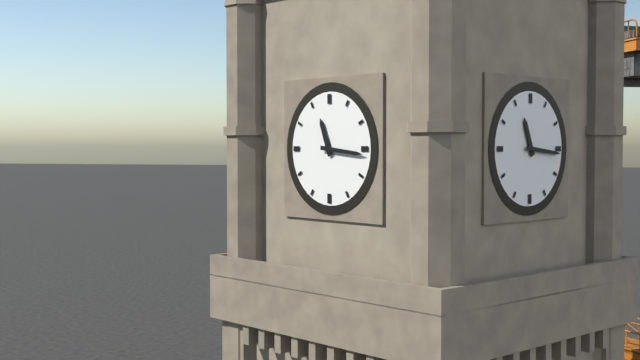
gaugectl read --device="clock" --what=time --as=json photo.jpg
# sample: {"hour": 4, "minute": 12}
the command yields {"hour": 11, "minute": 16}
